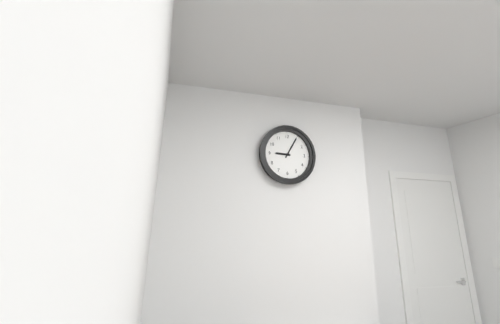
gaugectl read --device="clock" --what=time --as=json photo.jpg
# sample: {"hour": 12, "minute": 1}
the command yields {"hour": 9, "minute": 5}
